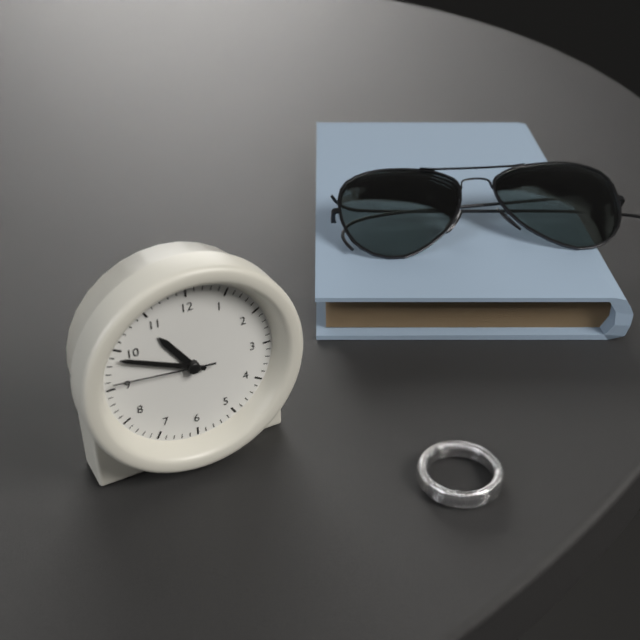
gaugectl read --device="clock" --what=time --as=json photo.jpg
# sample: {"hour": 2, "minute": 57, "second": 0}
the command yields {"hour": 10, "minute": 49, "second": 46}
